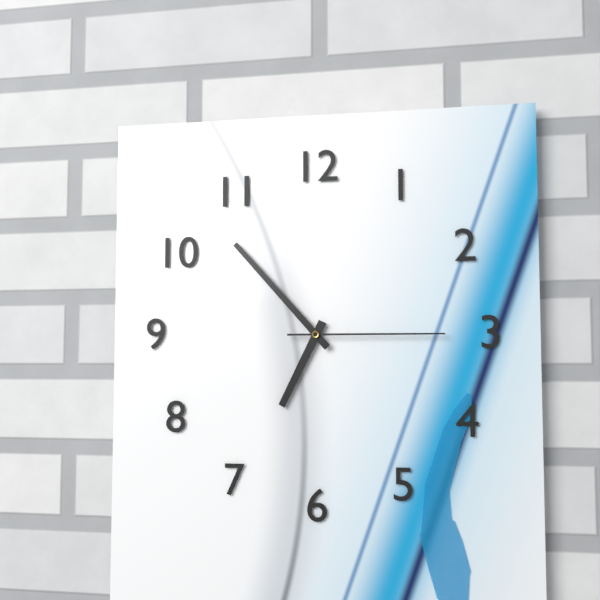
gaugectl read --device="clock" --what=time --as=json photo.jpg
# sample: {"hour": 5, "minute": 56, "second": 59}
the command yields {"hour": 6, "minute": 53, "second": 15}
